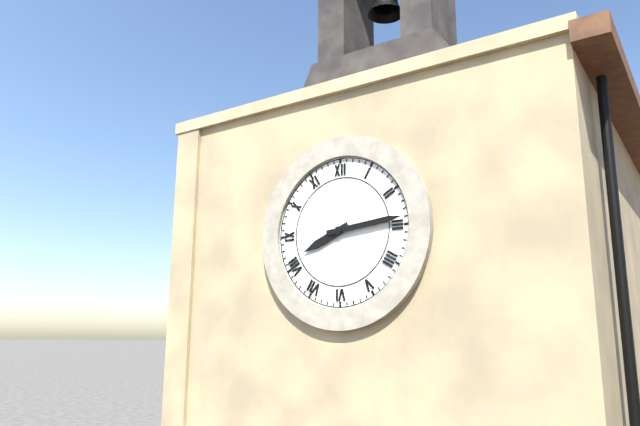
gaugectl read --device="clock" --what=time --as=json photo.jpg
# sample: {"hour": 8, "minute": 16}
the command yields {"hour": 8, "minute": 14}
